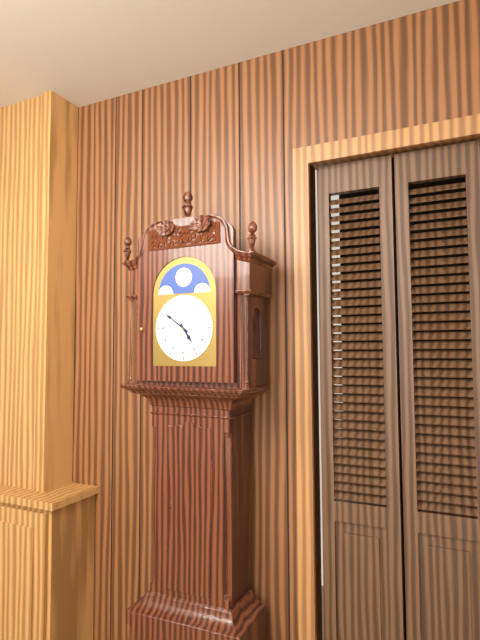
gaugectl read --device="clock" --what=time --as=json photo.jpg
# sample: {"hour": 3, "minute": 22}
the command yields {"hour": 4, "minute": 51}
